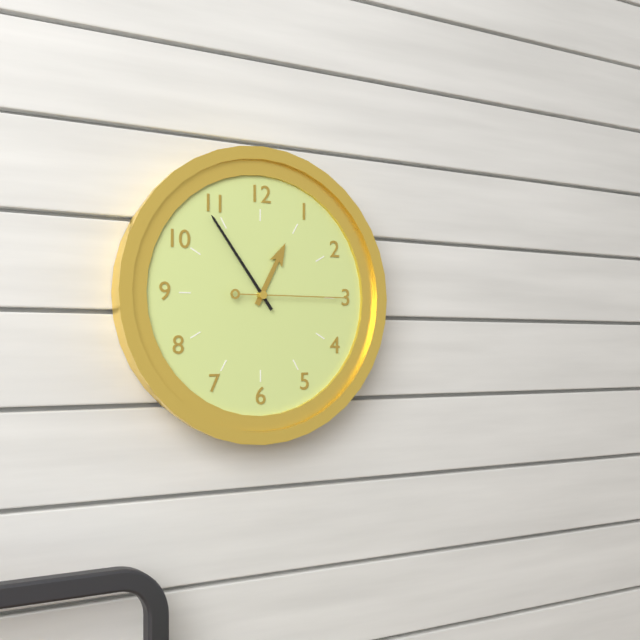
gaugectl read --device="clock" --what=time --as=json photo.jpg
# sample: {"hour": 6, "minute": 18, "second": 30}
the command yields {"hour": 12, "minute": 54, "second": 15}
